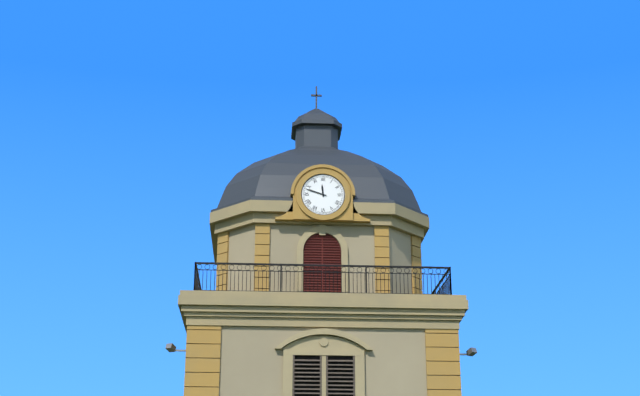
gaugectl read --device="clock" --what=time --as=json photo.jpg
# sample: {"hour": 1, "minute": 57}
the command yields {"hour": 11, "minute": 48}
